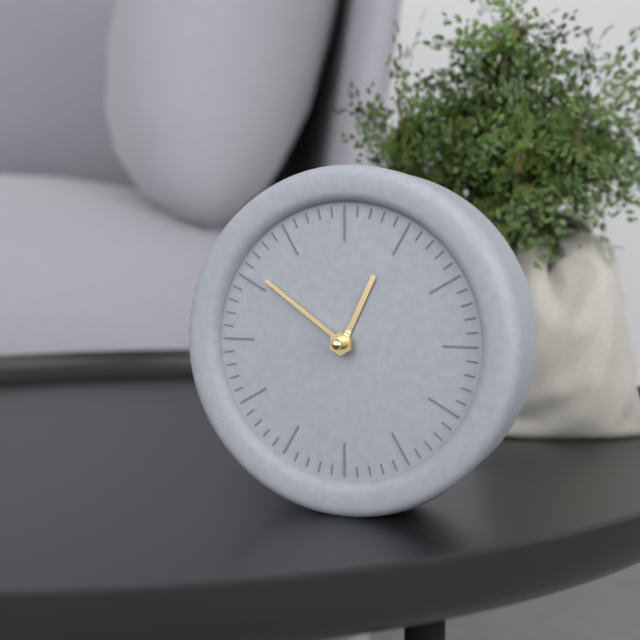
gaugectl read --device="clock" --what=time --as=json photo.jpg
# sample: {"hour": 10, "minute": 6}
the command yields {"hour": 12, "minute": 51}
